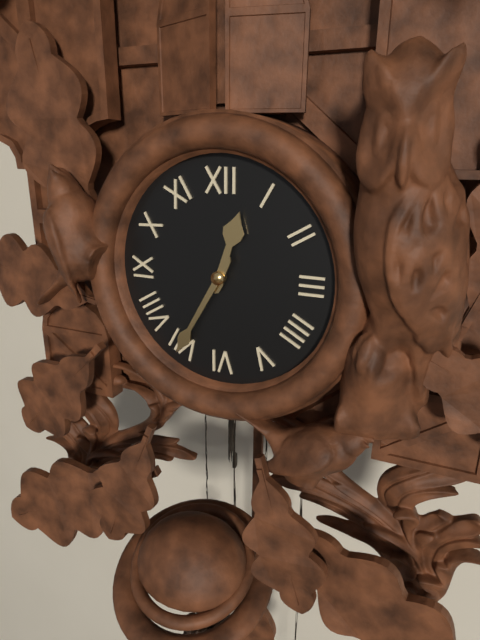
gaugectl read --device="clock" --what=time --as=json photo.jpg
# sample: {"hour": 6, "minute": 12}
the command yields {"hour": 12, "minute": 35}
